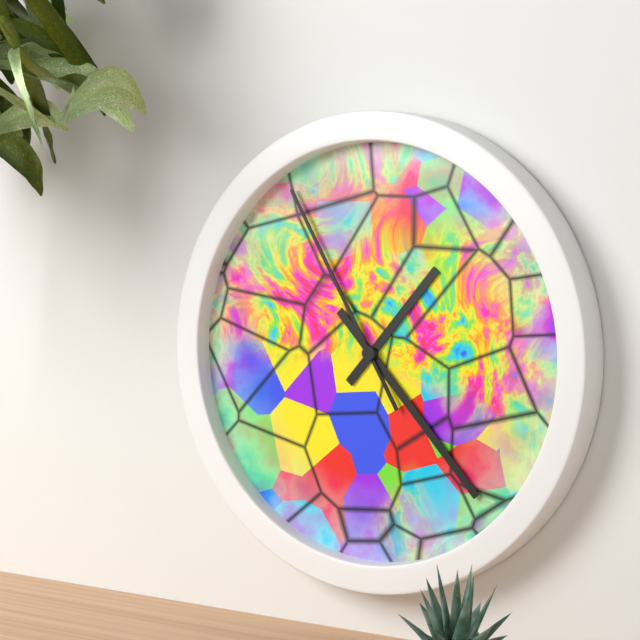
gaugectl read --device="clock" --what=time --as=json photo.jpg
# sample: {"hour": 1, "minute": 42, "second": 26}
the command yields {"hour": 1, "minute": 23, "second": 55}
